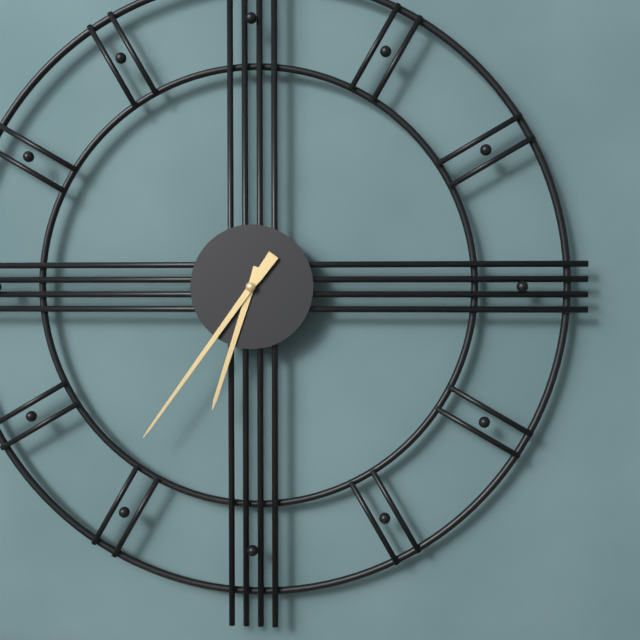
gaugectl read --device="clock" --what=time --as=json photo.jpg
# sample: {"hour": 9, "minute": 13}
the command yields {"hour": 6, "minute": 36}
